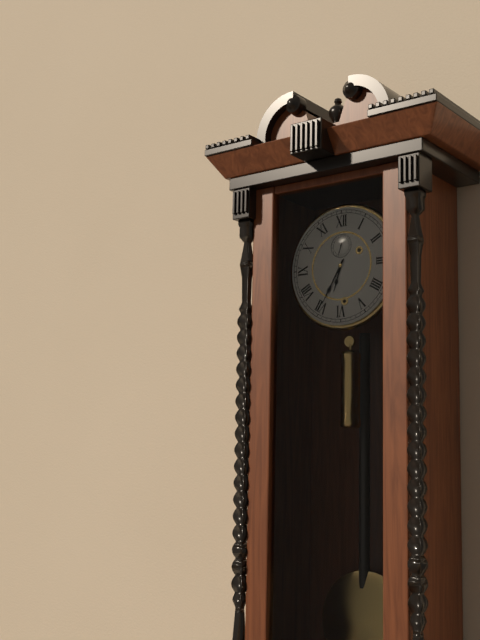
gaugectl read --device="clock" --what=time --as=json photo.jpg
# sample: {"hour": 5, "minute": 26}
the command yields {"hour": 6, "minute": 35}
